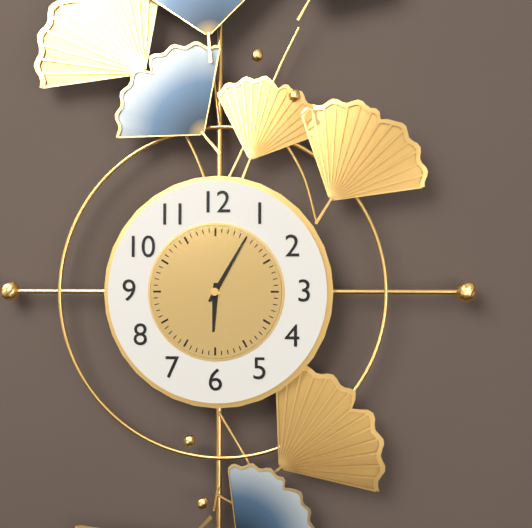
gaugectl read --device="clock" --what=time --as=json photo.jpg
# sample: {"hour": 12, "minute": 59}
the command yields {"hour": 6, "minute": 5}
